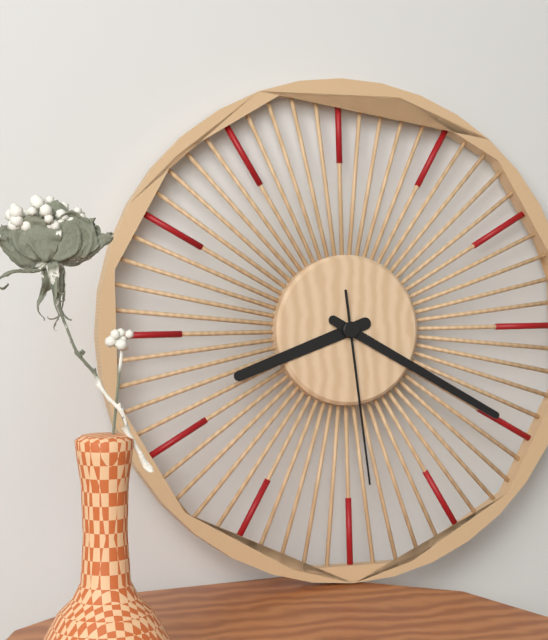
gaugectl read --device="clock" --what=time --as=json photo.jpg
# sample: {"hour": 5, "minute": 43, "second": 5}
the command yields {"hour": 8, "minute": 20, "second": 29}
